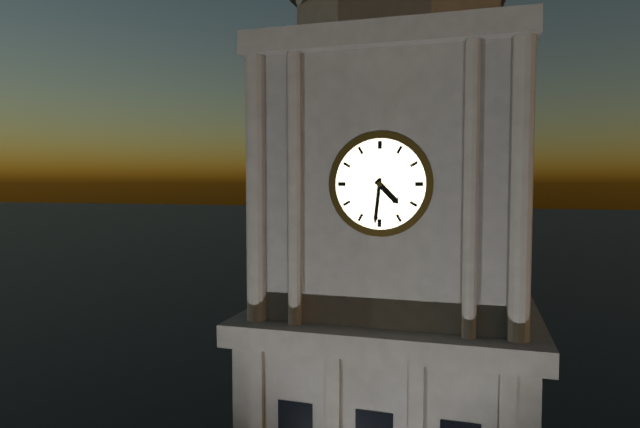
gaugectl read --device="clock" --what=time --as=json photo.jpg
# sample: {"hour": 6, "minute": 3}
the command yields {"hour": 4, "minute": 31}
